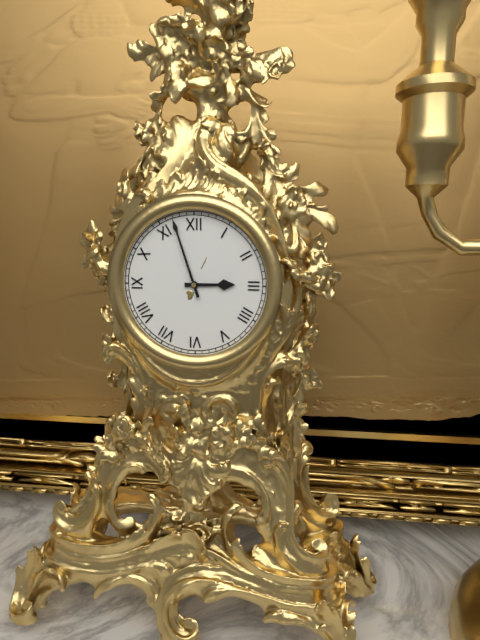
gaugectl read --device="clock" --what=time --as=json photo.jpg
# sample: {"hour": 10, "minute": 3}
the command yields {"hour": 2, "minute": 57}
